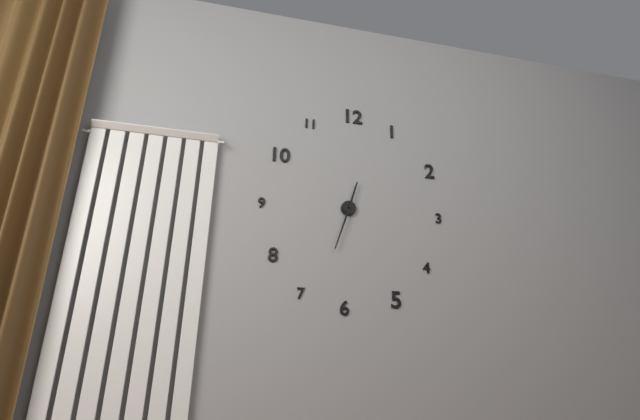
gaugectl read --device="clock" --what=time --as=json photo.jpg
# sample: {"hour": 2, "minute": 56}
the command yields {"hour": 12, "minute": 33}
